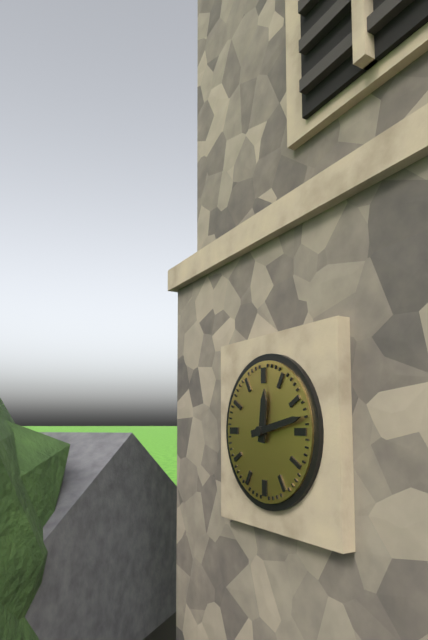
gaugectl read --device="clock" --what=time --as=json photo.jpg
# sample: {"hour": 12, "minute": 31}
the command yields {"hour": 12, "minute": 13}
